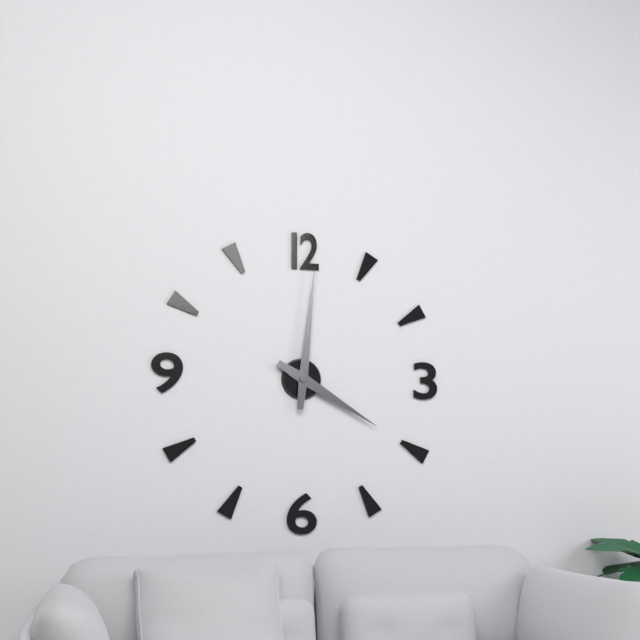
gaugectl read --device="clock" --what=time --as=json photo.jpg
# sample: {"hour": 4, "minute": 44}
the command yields {"hour": 4, "minute": 1}
